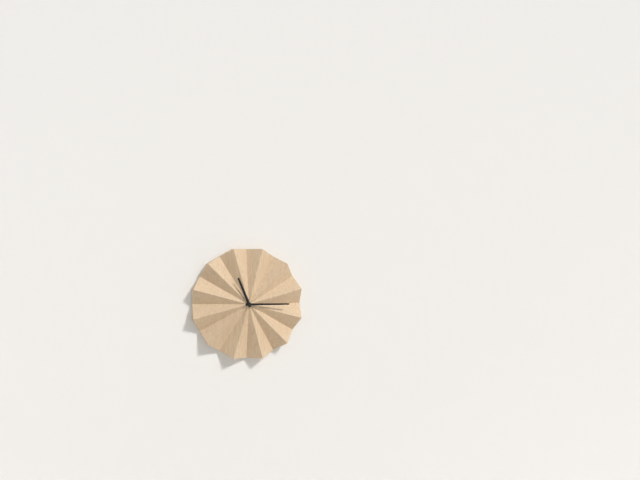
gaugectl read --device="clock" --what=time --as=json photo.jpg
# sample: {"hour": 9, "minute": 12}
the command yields {"hour": 11, "minute": 15}
